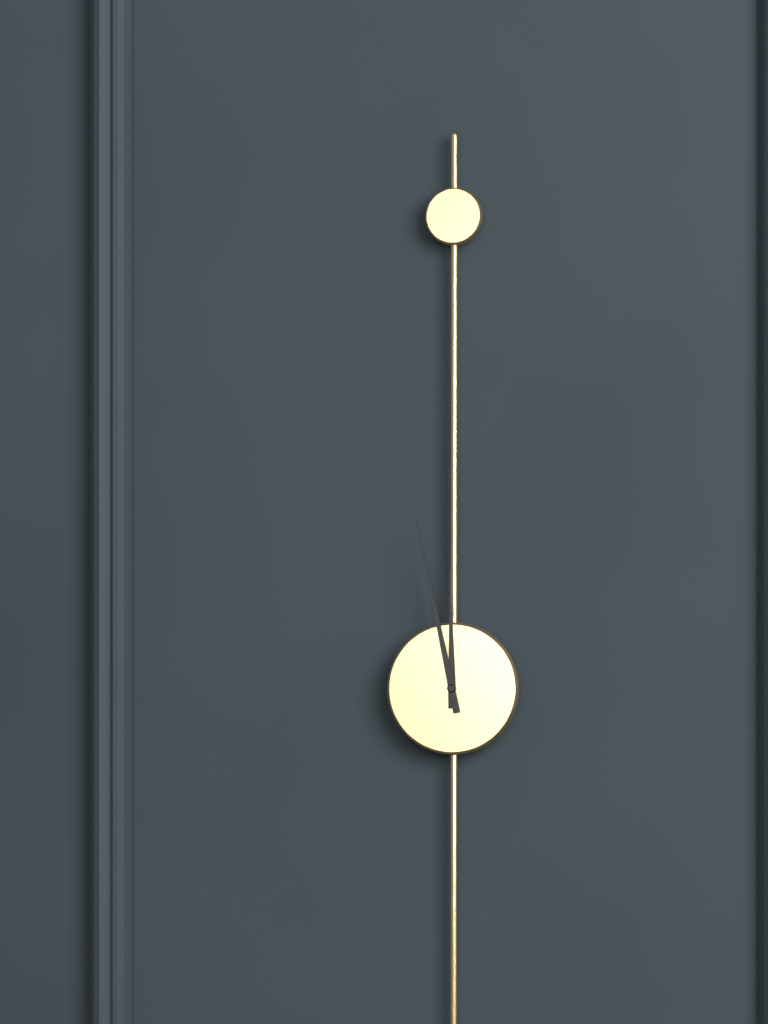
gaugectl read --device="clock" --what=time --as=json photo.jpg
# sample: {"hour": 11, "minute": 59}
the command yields {"hour": 11, "minute": 58}
